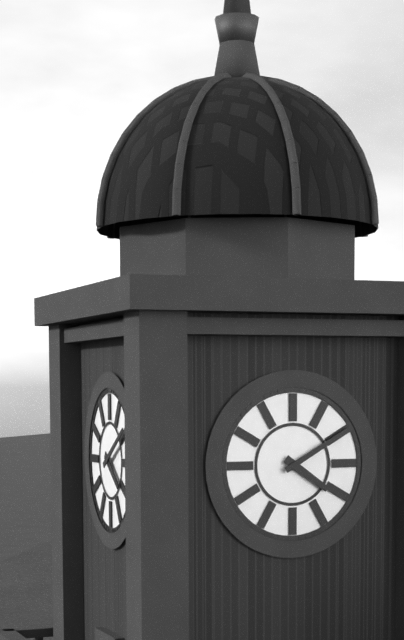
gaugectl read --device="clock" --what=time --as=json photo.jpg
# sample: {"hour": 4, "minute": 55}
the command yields {"hour": 4, "minute": 10}
